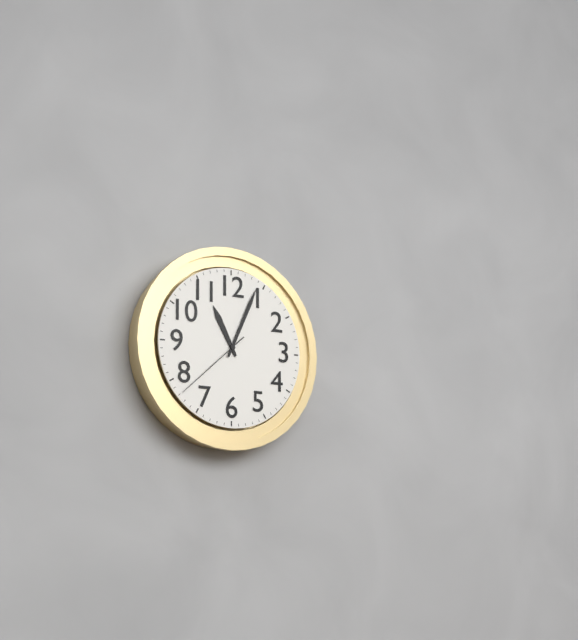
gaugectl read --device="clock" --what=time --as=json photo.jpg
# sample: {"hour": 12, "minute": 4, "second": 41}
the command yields {"hour": 11, "minute": 4, "second": 38}
